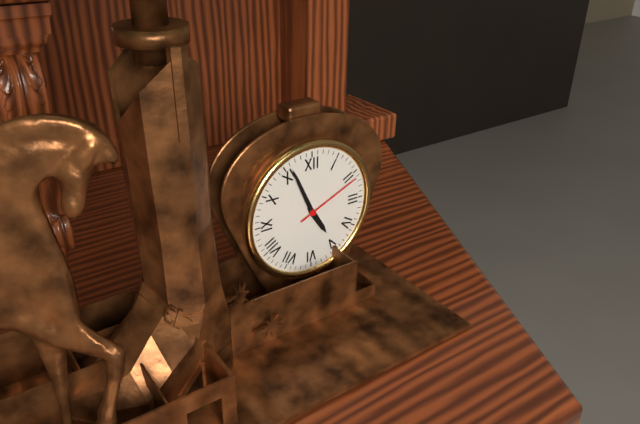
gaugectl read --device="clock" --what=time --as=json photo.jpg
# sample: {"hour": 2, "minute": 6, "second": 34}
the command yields {"hour": 4, "minute": 56, "second": 11}
